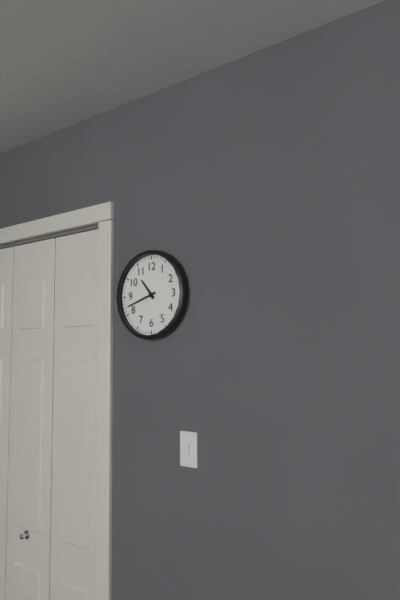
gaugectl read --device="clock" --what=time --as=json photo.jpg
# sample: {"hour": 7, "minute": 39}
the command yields {"hour": 10, "minute": 42}
